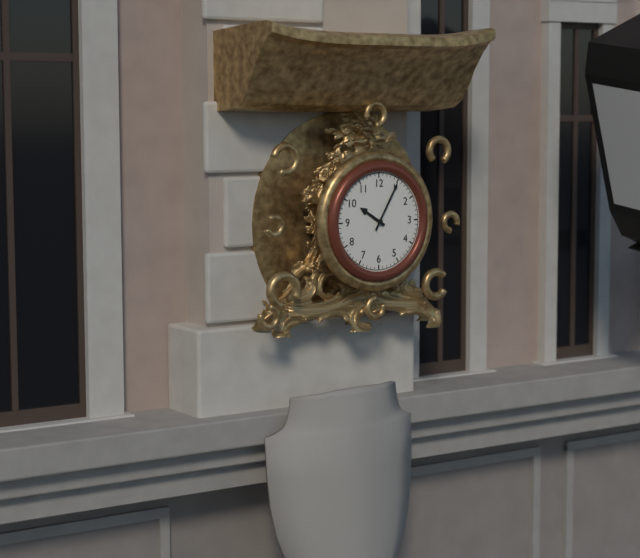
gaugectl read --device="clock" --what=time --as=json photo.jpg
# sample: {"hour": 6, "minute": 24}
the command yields {"hour": 10, "minute": 5}
